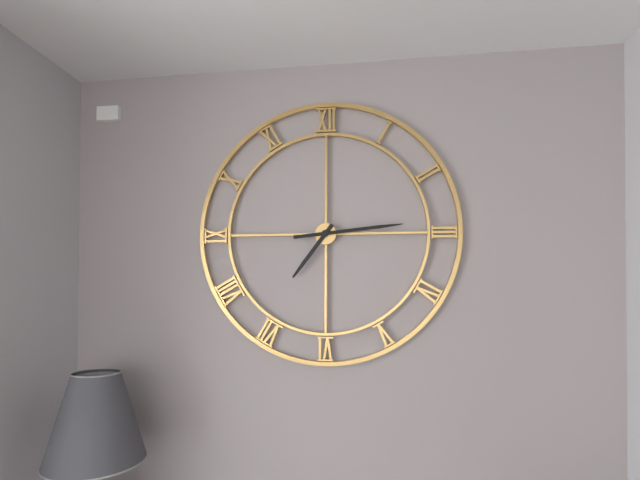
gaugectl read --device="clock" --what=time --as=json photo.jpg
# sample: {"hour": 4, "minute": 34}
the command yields {"hour": 7, "minute": 14}
